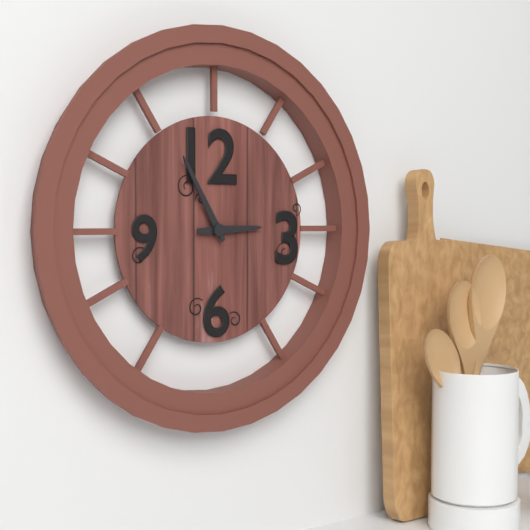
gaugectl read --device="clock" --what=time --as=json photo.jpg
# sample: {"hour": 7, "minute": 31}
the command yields {"hour": 2, "minute": 55}
